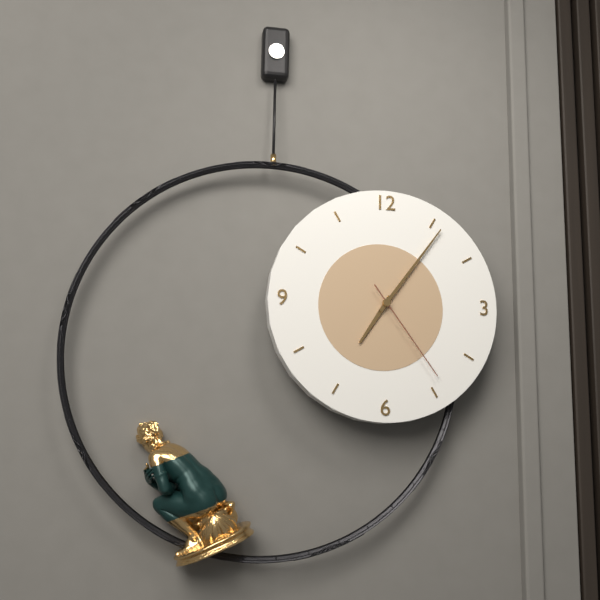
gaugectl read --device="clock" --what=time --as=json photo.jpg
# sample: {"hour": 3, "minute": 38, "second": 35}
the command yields {"hour": 7, "minute": 6, "second": 24}
